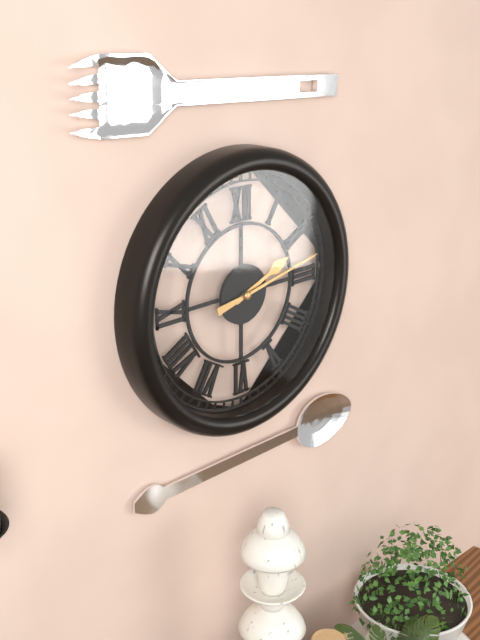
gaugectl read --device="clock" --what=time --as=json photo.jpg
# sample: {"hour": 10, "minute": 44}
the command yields {"hour": 2, "minute": 13}
